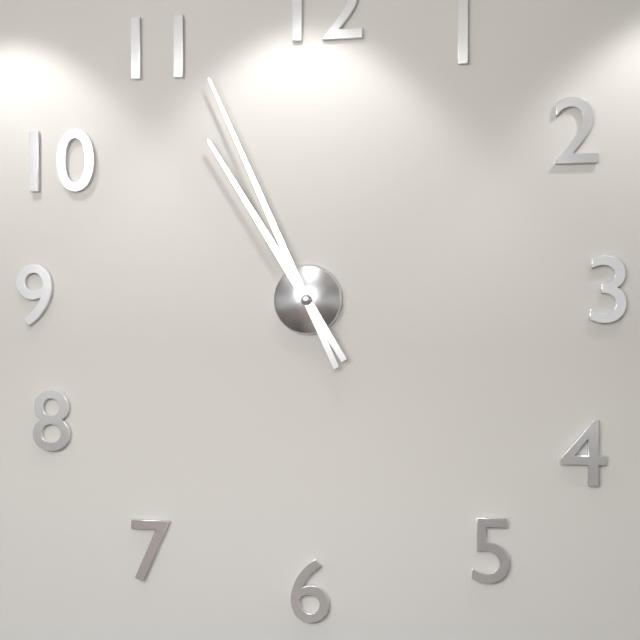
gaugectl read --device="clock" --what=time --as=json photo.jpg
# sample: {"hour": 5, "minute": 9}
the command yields {"hour": 10, "minute": 56}
